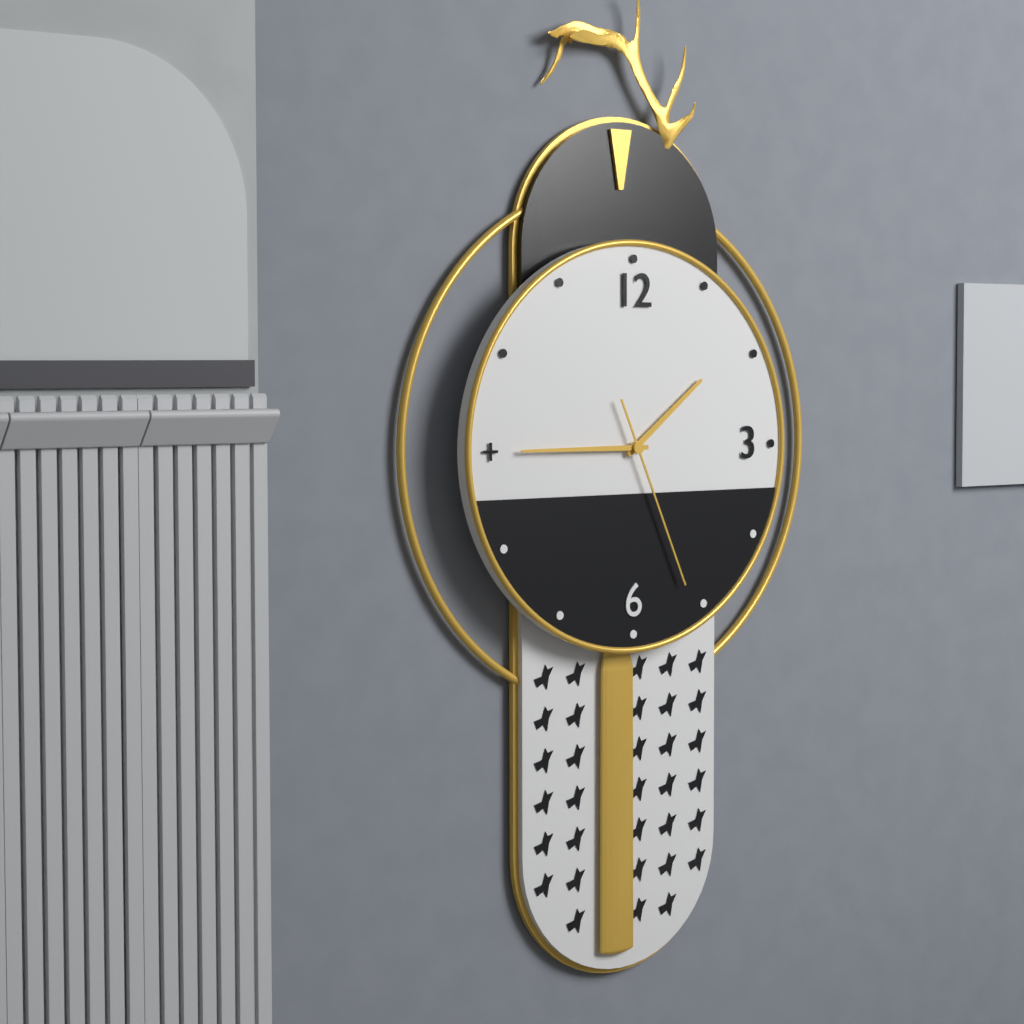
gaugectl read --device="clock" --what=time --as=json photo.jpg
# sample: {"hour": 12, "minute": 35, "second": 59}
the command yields {"hour": 1, "minute": 45, "second": 26}
